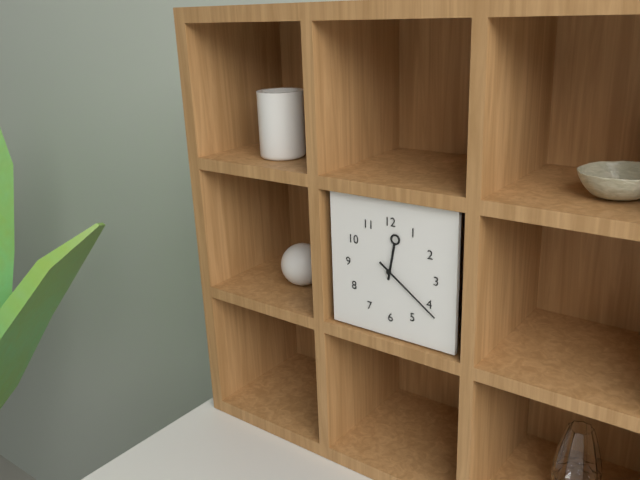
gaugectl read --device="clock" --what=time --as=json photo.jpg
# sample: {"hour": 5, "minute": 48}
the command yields {"hour": 12, "minute": 21}
